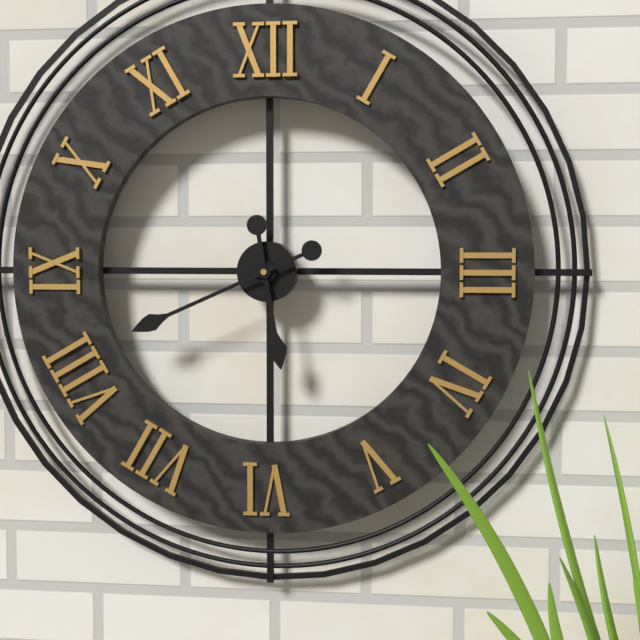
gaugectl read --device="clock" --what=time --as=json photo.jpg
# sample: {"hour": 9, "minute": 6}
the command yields {"hour": 5, "minute": 41}
